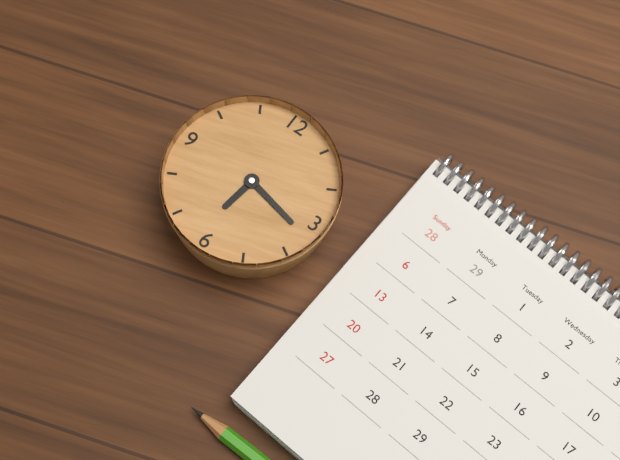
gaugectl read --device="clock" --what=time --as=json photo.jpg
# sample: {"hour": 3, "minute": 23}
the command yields {"hour": 6, "minute": 17}
